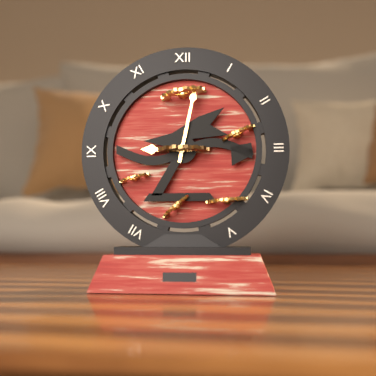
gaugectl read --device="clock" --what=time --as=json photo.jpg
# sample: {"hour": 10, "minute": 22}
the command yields {"hour": 9, "minute": 2}
